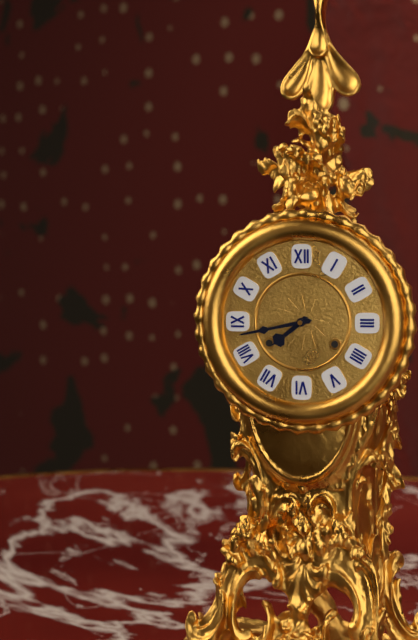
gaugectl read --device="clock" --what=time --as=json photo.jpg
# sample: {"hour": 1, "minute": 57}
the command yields {"hour": 7, "minute": 43}
